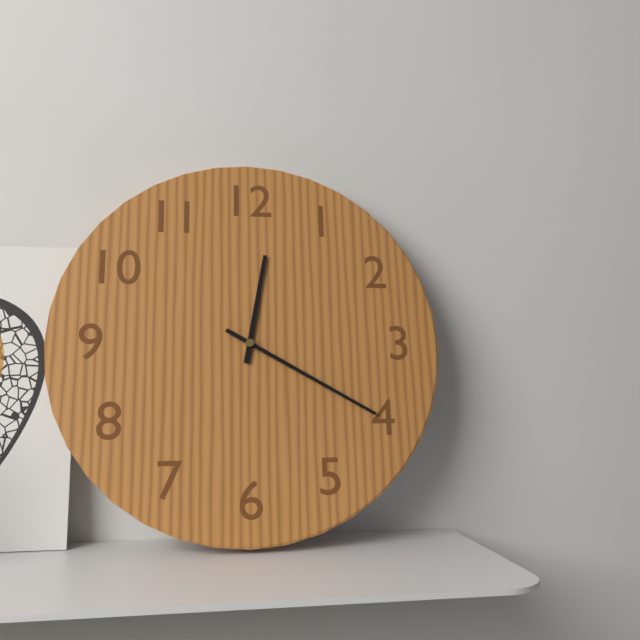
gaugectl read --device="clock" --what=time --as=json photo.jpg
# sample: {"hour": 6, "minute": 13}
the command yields {"hour": 12, "minute": 20}
